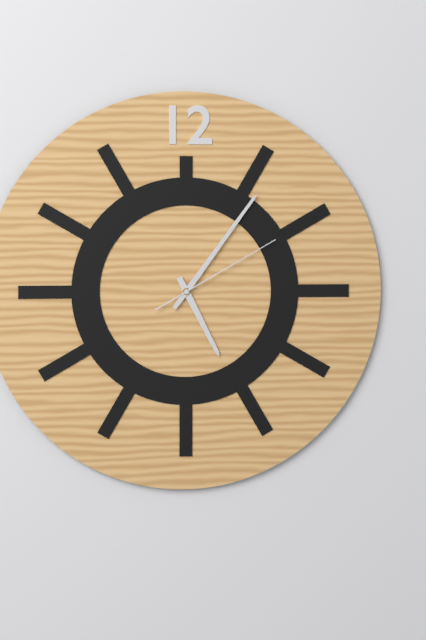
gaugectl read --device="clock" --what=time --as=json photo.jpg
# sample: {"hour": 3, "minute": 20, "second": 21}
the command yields {"hour": 5, "minute": 6, "second": 10}
